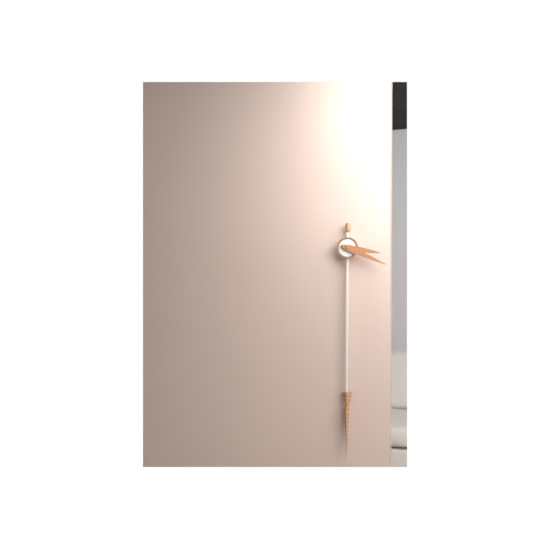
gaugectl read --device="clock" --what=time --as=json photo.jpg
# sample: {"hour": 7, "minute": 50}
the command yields {"hour": 3, "minute": 19}
